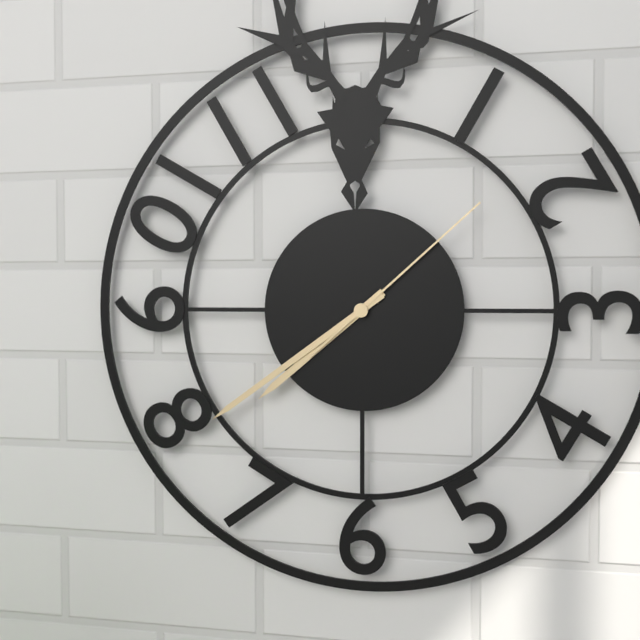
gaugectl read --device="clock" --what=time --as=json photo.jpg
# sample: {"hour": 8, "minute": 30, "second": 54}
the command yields {"hour": 7, "minute": 39, "second": 8}
